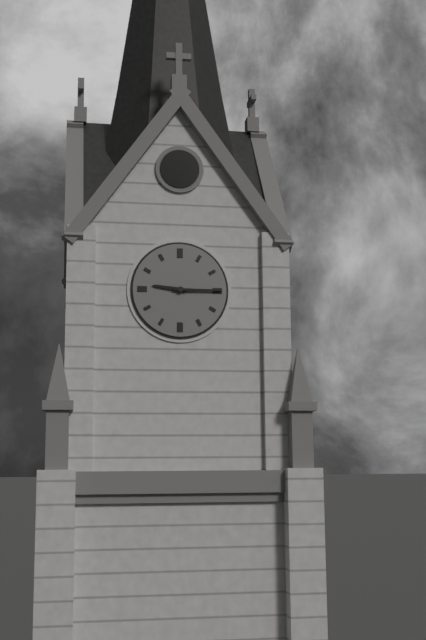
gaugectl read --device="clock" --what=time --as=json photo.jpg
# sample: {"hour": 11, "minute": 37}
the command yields {"hour": 9, "minute": 15}
